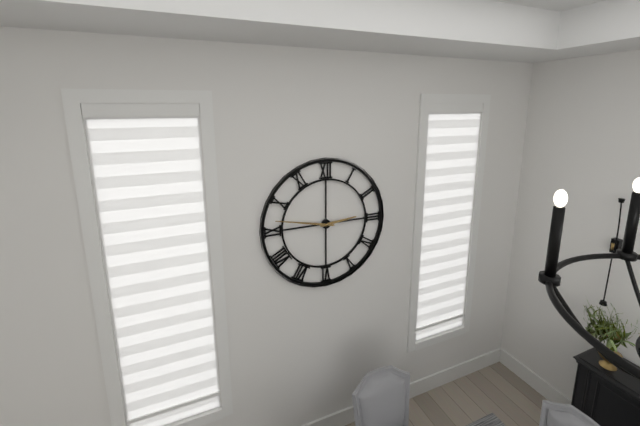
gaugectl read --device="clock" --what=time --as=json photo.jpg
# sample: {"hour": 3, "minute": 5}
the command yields {"hour": 2, "minute": 47}
